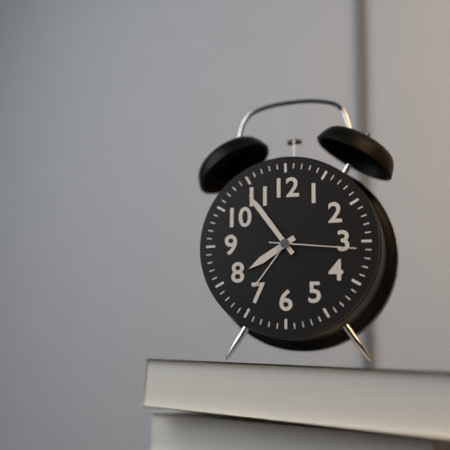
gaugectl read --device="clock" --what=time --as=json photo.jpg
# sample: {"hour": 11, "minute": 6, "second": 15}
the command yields {"hour": 7, "minute": 54, "second": 16}
